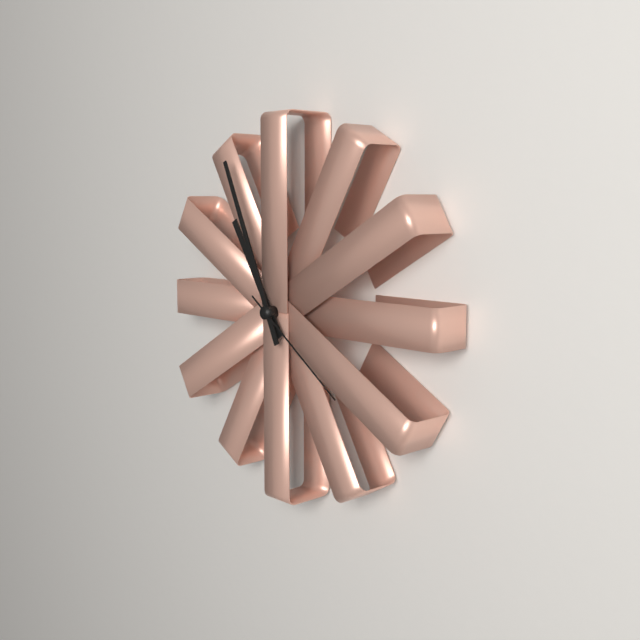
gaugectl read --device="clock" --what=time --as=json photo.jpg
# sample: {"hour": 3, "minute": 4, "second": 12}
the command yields {"hour": 10, "minute": 56, "second": 21}
